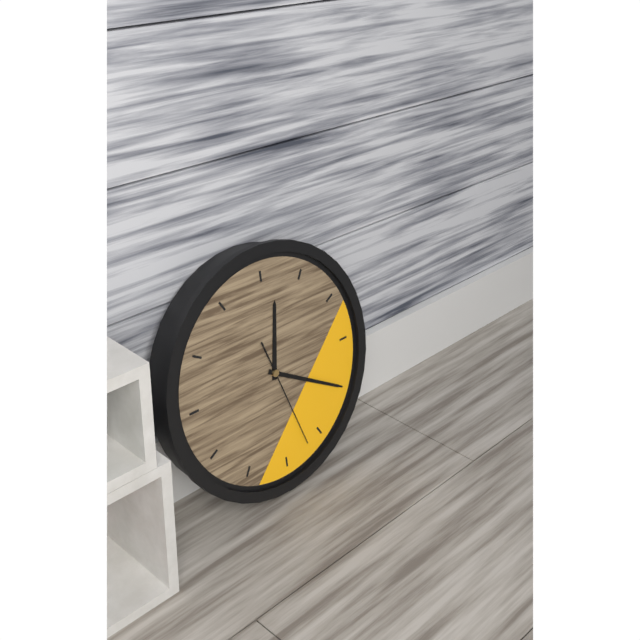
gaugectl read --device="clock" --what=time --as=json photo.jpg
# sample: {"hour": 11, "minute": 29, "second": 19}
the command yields {"hour": 12, "minute": 20, "second": 27}
